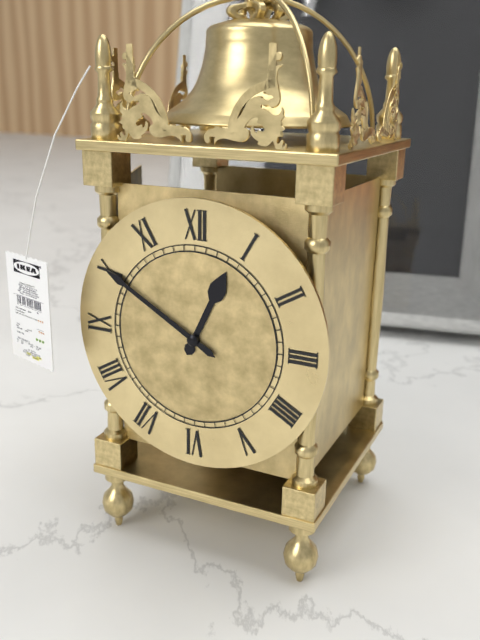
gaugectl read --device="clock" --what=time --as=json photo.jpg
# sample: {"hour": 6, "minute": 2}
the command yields {"hour": 12, "minute": 50}
